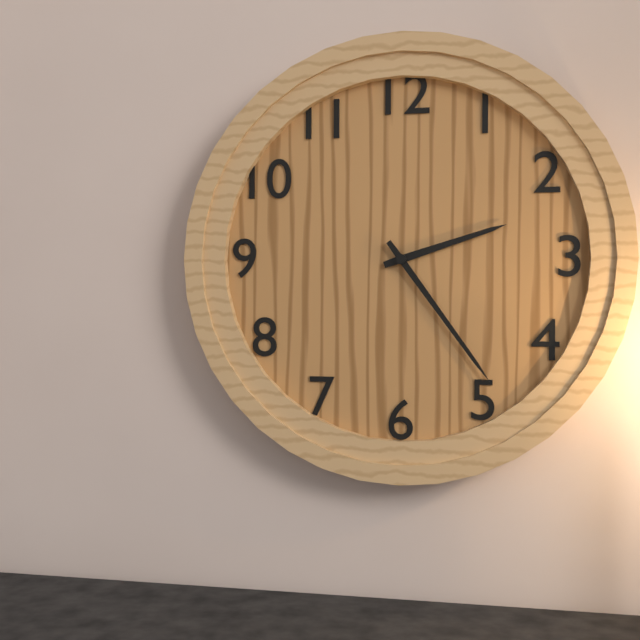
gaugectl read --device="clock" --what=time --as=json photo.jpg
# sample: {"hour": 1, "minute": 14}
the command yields {"hour": 2, "minute": 24}
